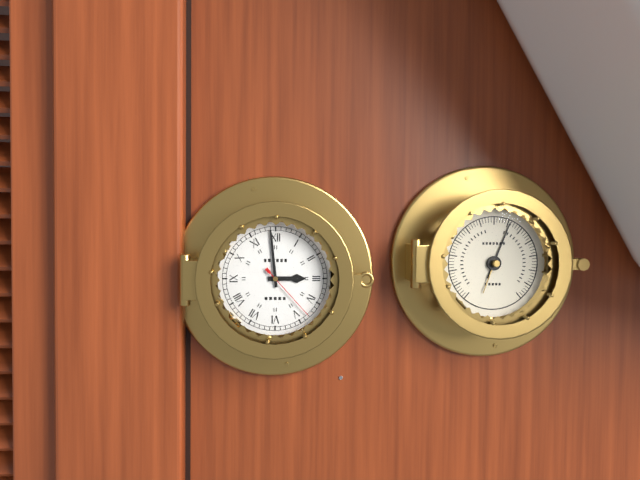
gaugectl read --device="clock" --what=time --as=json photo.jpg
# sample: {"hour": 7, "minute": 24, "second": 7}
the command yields {"hour": 2, "minute": 59, "second": 23}
